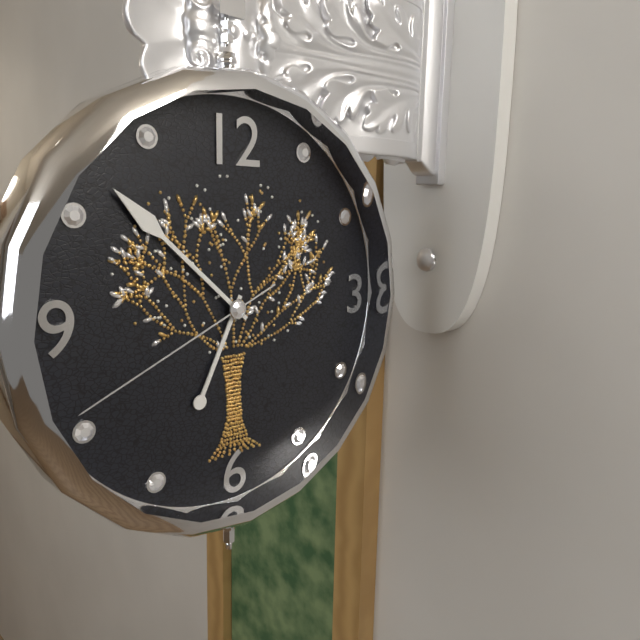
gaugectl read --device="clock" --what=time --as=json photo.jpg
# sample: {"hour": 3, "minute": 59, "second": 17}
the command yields {"hour": 6, "minute": 52, "second": 41}
